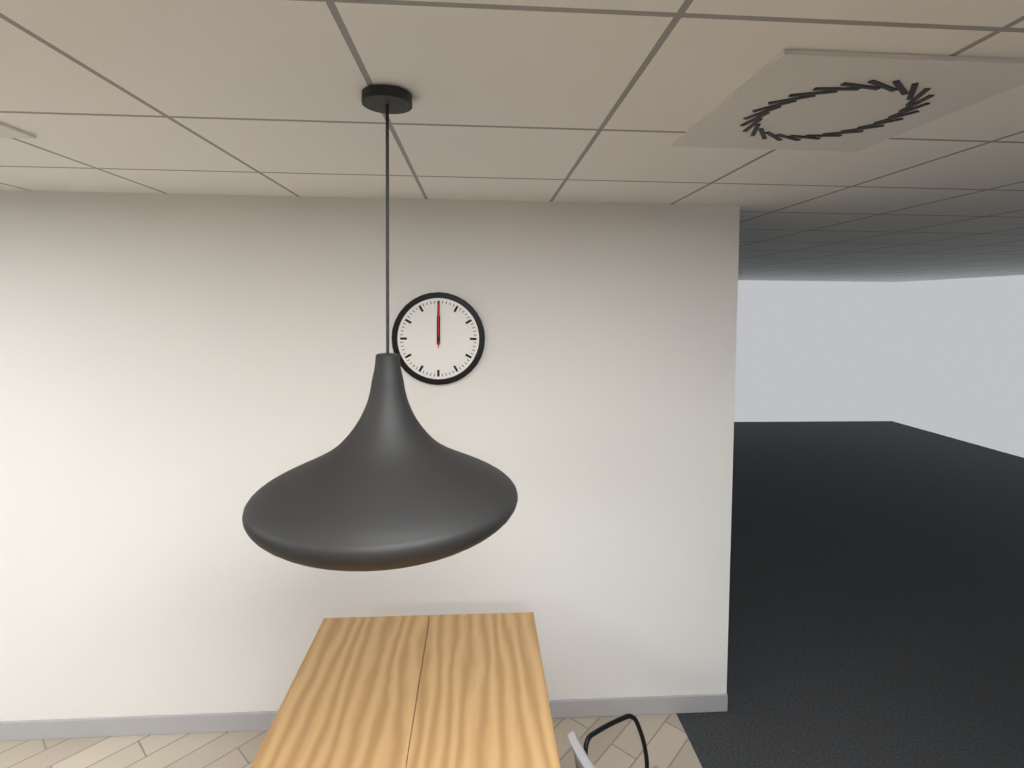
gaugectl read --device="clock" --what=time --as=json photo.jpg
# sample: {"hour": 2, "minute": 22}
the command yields {"hour": 12, "minute": 0}
